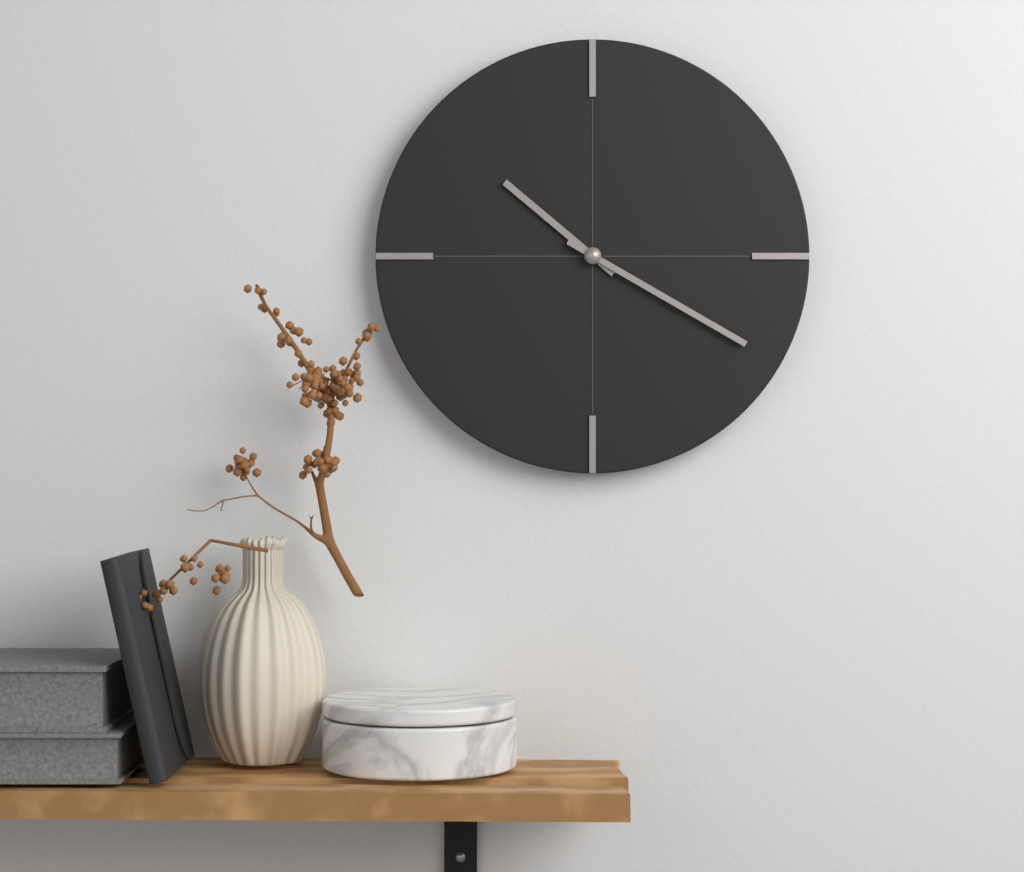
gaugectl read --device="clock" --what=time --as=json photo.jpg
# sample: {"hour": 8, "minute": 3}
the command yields {"hour": 10, "minute": 20}
